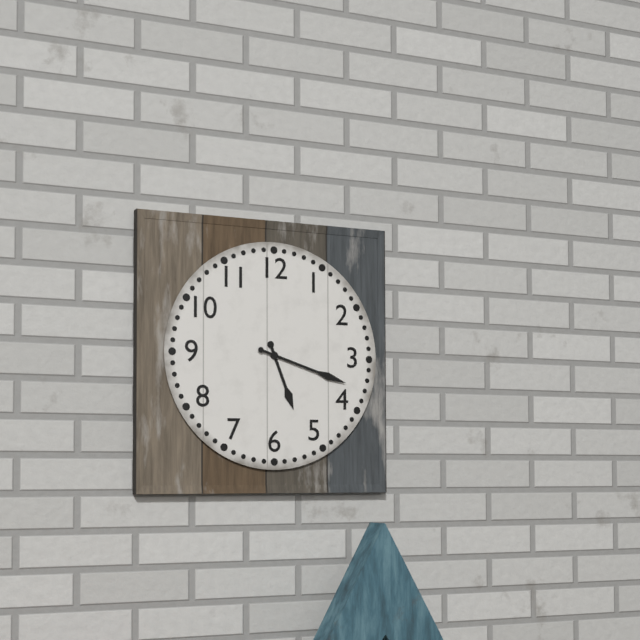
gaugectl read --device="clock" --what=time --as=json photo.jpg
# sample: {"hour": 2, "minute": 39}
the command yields {"hour": 5, "minute": 18}
